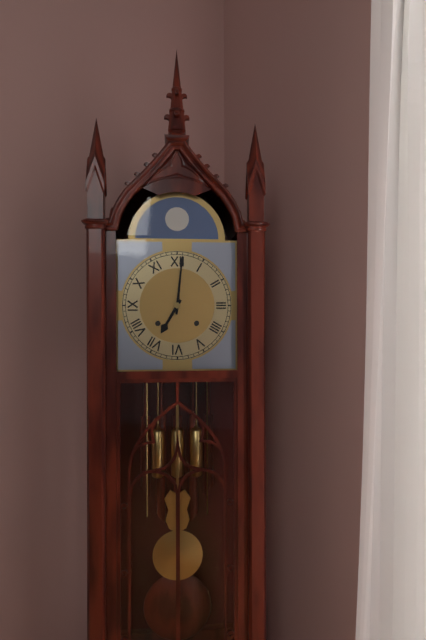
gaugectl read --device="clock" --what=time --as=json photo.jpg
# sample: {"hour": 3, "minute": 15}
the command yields {"hour": 7, "minute": 1}
